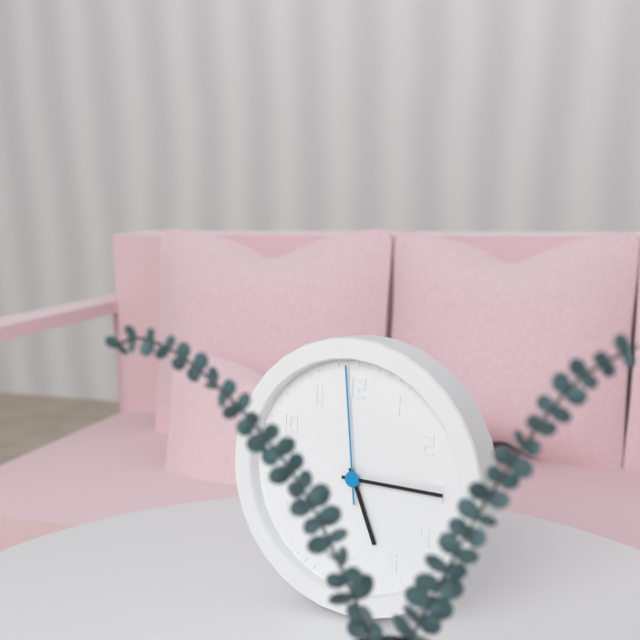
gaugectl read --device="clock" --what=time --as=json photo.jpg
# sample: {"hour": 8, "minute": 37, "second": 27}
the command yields {"hour": 5, "minute": 15, "second": 59}
